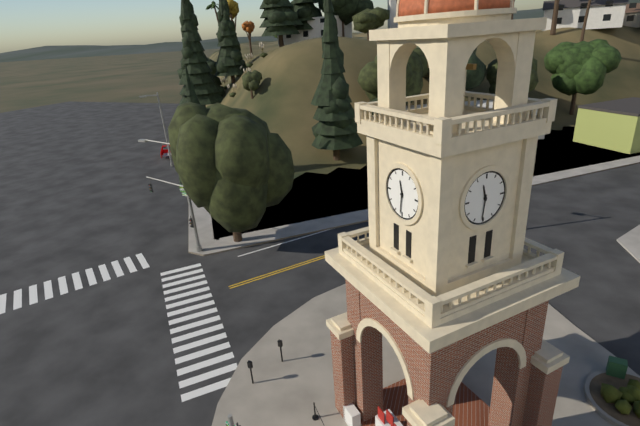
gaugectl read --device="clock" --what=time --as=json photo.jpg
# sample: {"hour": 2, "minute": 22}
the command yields {"hour": 11, "minute": 31}
